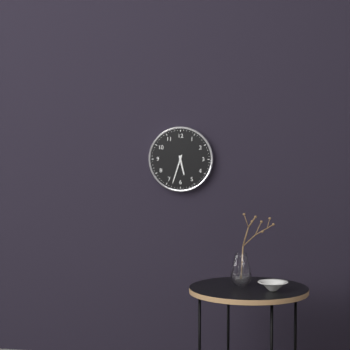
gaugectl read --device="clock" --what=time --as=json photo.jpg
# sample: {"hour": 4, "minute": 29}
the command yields {"hour": 5, "minute": 33}
